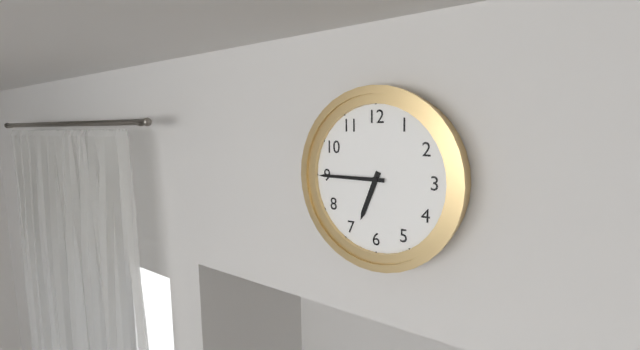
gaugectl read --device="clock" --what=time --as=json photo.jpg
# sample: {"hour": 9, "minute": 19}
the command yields {"hour": 6, "minute": 45}
